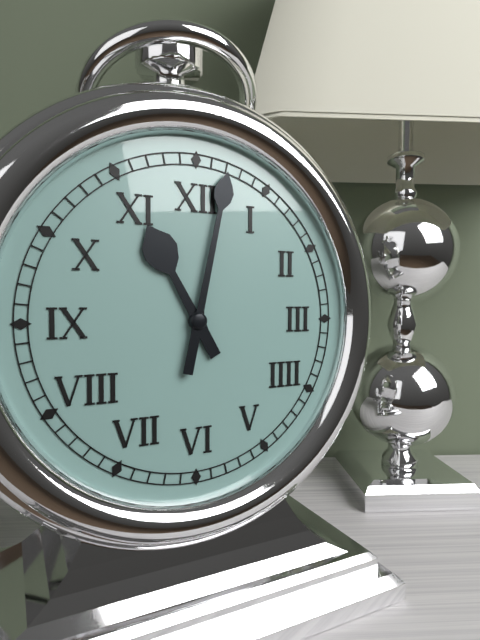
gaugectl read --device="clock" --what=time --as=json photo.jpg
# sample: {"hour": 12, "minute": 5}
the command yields {"hour": 11, "minute": 2}
